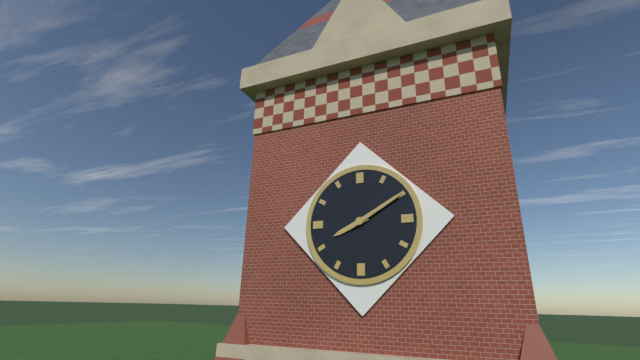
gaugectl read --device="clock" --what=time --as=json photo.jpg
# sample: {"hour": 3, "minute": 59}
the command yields {"hour": 8, "minute": 10}
